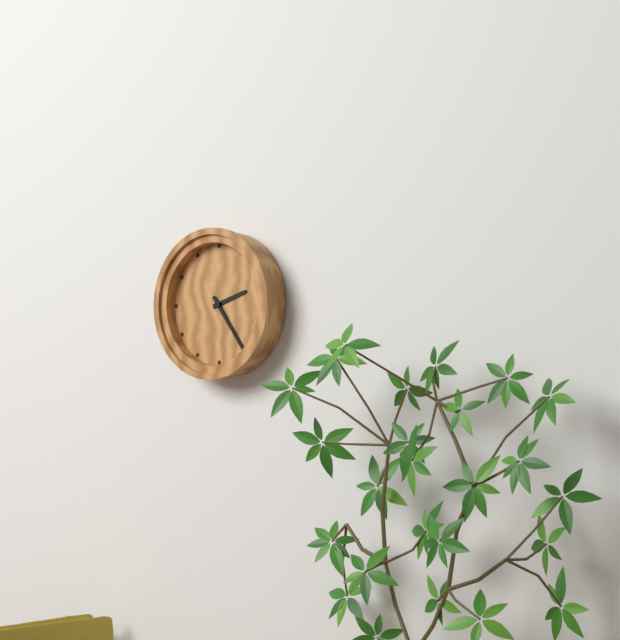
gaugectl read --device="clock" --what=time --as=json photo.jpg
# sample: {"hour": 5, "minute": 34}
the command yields {"hour": 2, "minute": 24}
